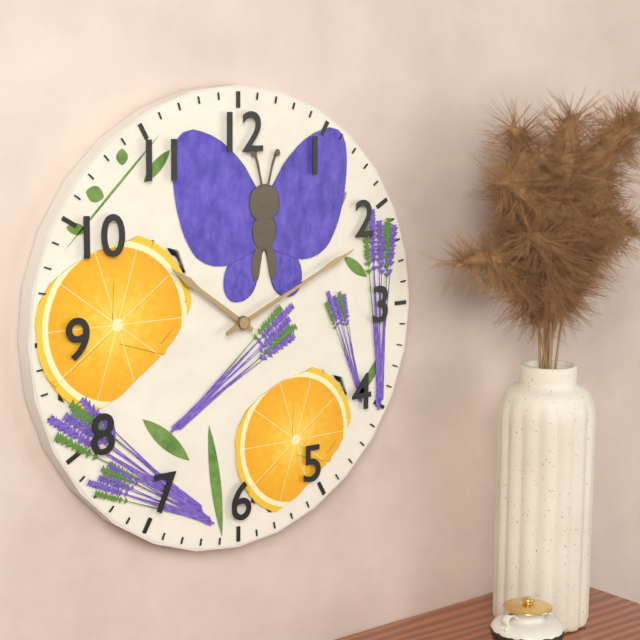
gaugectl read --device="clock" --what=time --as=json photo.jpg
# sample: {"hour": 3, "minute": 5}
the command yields {"hour": 10, "minute": 11}
